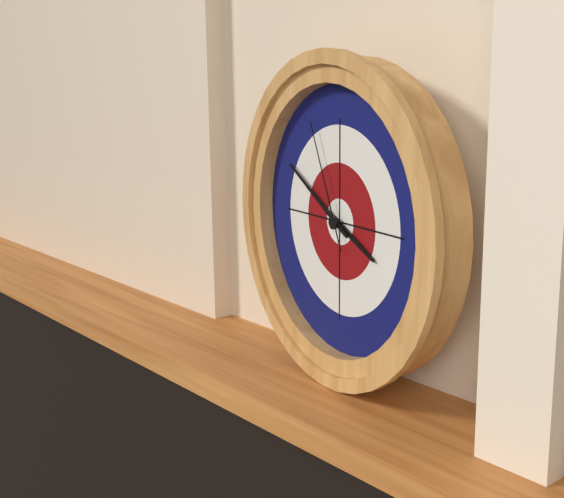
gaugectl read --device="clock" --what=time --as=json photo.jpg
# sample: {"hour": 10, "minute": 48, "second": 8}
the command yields {"hour": 3, "minute": 50, "second": 56}
